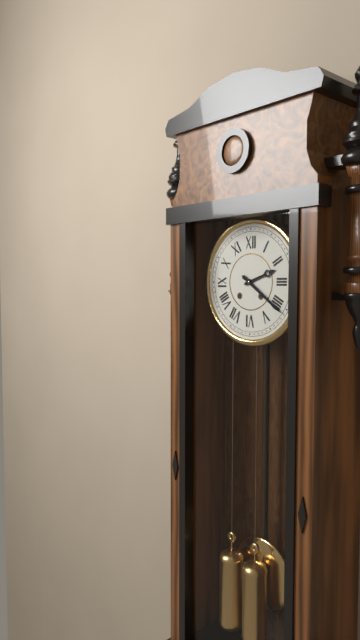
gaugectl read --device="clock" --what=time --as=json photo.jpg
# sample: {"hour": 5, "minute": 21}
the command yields {"hour": 2, "minute": 21}
